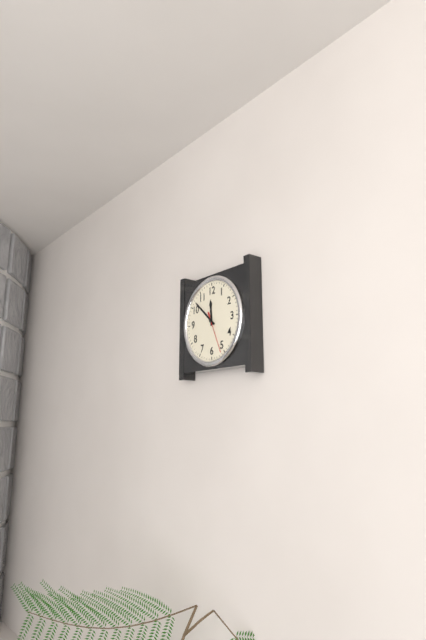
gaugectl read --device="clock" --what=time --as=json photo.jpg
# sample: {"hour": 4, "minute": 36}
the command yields {"hour": 11, "minute": 52}
